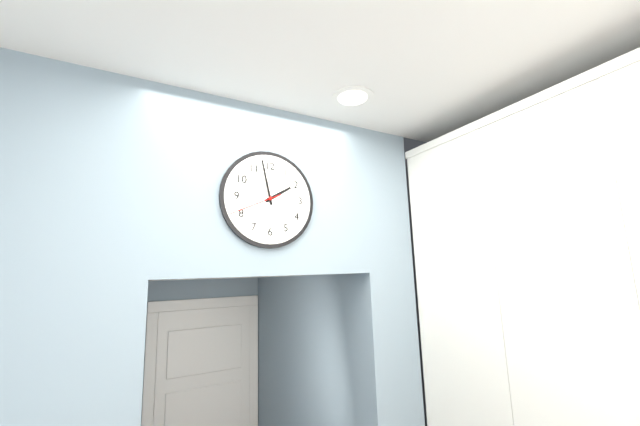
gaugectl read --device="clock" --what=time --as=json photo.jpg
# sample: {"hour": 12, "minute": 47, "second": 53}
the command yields {"hour": 1, "minute": 58, "second": 41}
